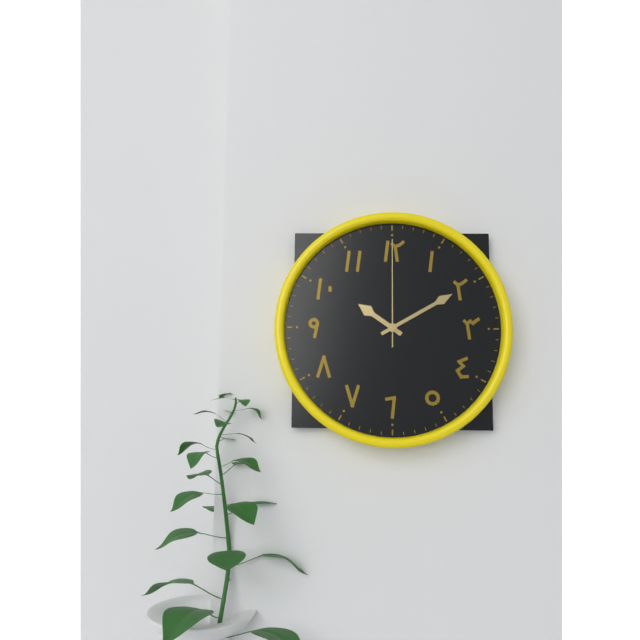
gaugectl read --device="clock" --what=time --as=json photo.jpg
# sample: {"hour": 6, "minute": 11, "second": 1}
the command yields {"hour": 10, "minute": 10, "second": 0}
